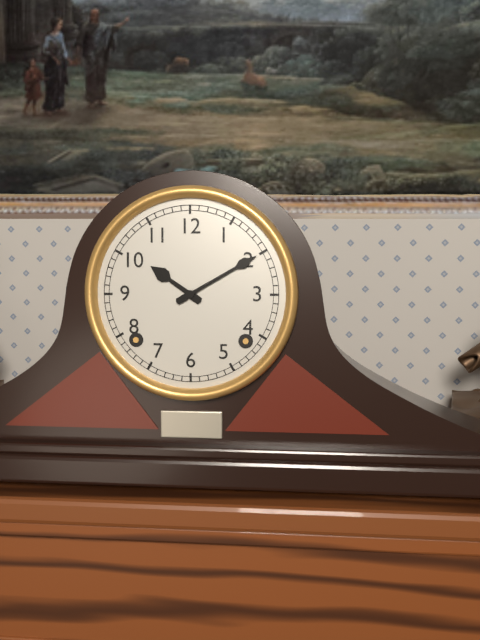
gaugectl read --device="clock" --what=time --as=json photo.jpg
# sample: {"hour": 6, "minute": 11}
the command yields {"hour": 10, "minute": 10}
